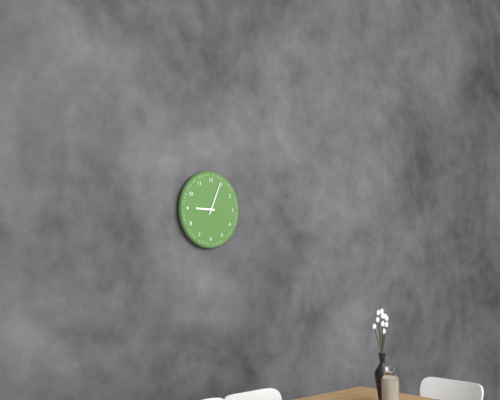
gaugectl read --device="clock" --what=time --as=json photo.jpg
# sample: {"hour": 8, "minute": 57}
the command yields {"hour": 9, "minute": 4}
